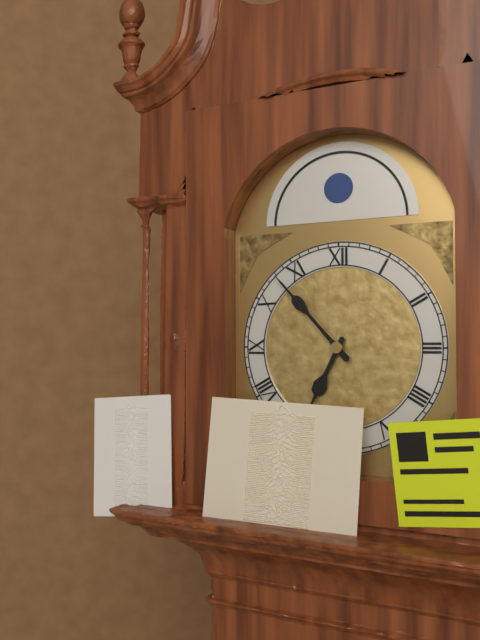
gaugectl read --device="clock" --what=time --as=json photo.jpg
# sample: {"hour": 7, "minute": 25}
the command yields {"hour": 6, "minute": 53}
